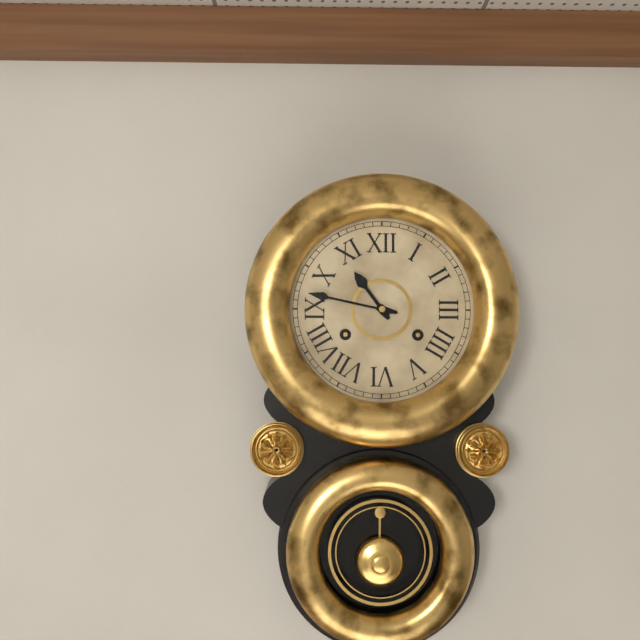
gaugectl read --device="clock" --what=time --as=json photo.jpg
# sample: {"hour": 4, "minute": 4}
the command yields {"hour": 10, "minute": 47}
